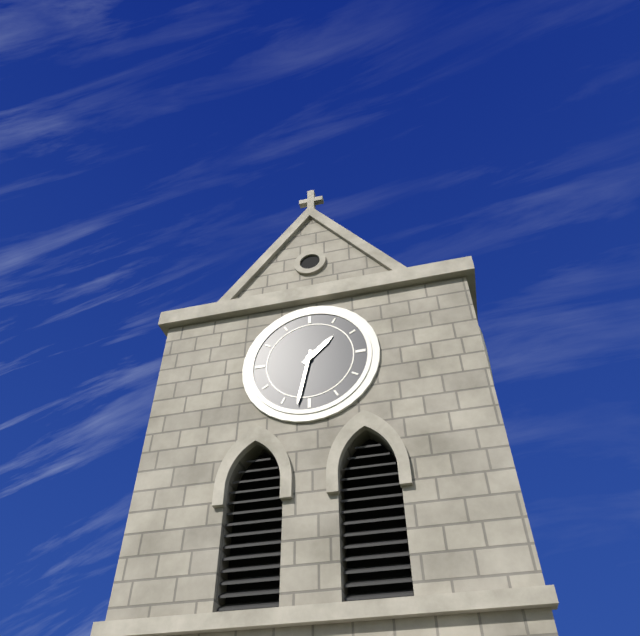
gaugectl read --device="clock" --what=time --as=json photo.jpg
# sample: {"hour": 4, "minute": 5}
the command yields {"hour": 1, "minute": 32}
